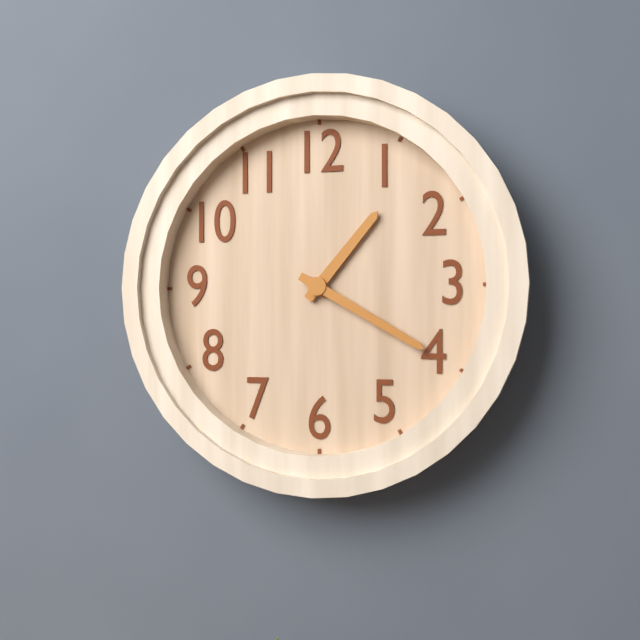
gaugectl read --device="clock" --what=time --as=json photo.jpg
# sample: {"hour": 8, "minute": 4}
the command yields {"hour": 1, "minute": 20}
